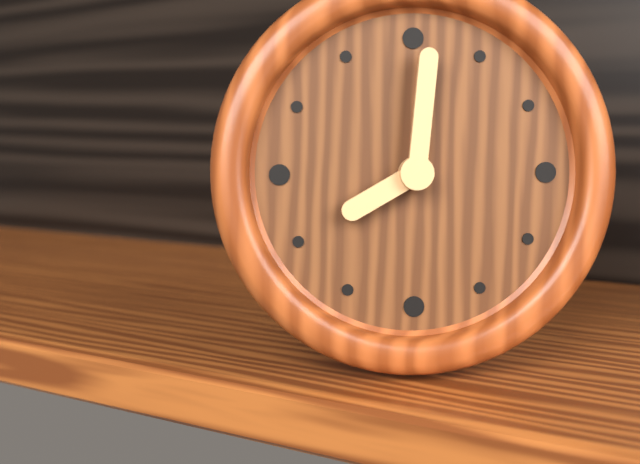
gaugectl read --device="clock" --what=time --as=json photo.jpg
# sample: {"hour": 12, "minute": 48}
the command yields {"hour": 8, "minute": 1}
